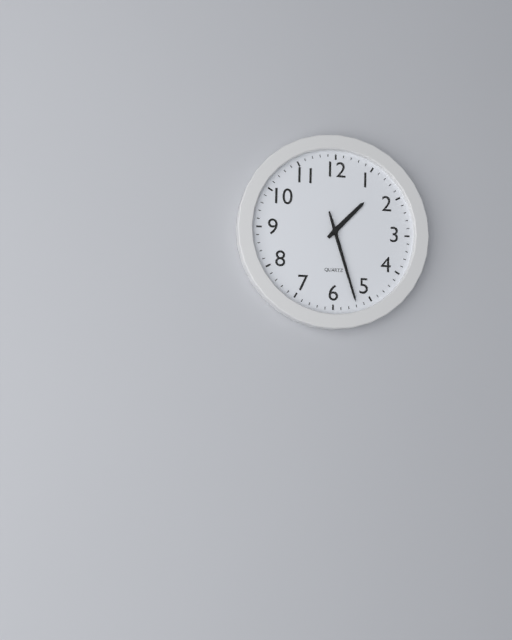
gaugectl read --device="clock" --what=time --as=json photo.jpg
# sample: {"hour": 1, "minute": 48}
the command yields {"hour": 1, "minute": 27}
